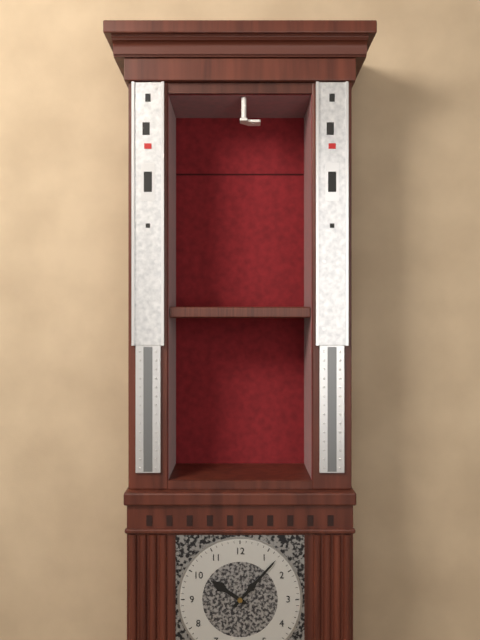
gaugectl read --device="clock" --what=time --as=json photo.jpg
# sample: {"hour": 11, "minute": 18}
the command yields {"hour": 10, "minute": 7}
